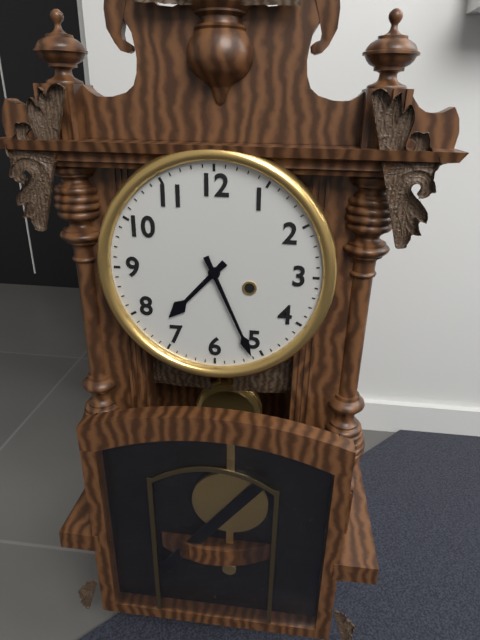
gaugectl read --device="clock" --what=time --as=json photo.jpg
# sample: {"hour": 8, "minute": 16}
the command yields {"hour": 7, "minute": 26}
